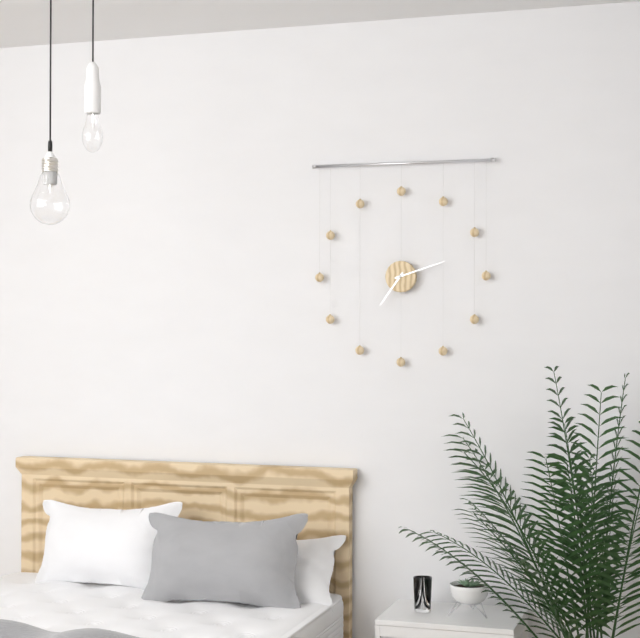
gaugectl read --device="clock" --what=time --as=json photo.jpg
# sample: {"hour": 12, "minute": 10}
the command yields {"hour": 7, "minute": 12}
